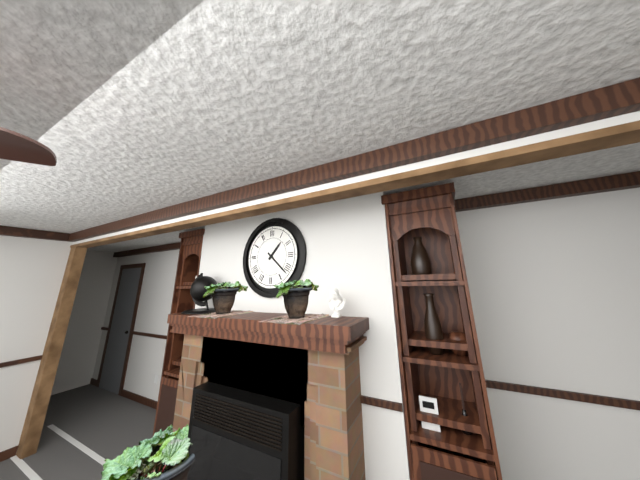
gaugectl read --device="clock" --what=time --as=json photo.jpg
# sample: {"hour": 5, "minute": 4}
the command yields {"hour": 1, "minute": 22}
